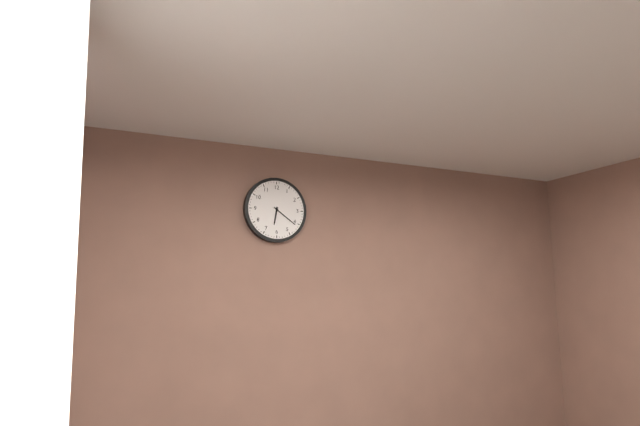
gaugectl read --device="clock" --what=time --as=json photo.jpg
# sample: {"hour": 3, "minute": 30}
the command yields {"hour": 6, "minute": 21}
